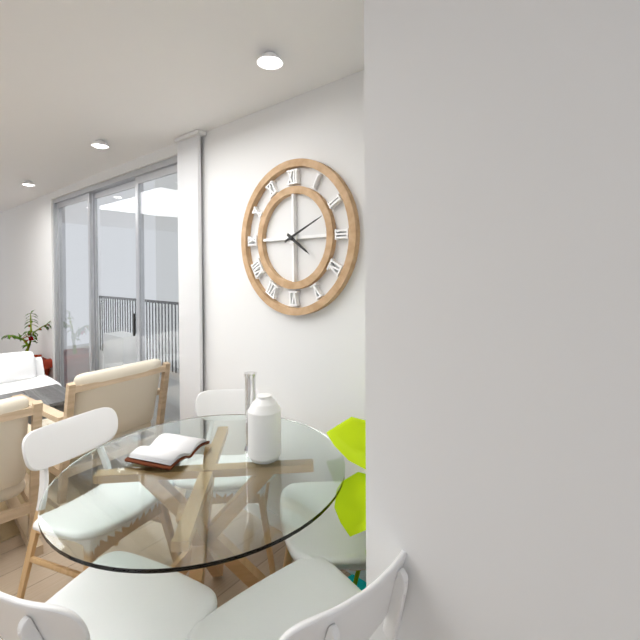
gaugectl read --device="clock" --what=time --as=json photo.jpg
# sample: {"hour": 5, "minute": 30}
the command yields {"hour": 4, "minute": 11}
